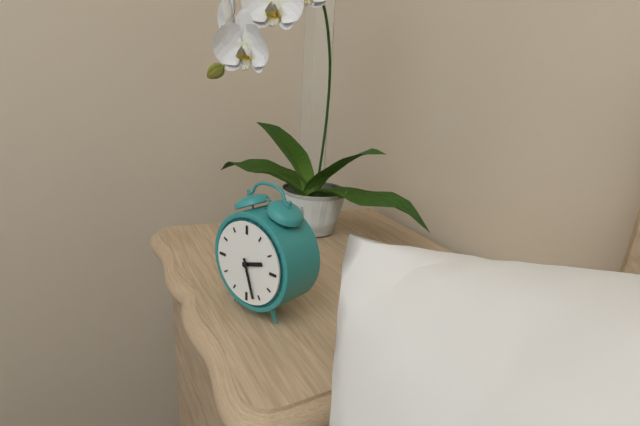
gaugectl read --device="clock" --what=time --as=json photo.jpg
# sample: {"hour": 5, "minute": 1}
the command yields {"hour": 2, "minute": 27}
